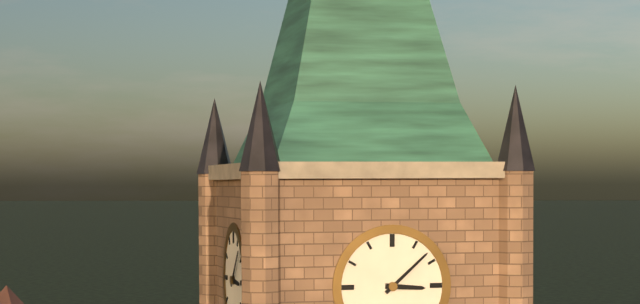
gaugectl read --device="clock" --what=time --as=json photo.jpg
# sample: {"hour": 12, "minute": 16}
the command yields {"hour": 3, "minute": 8}
